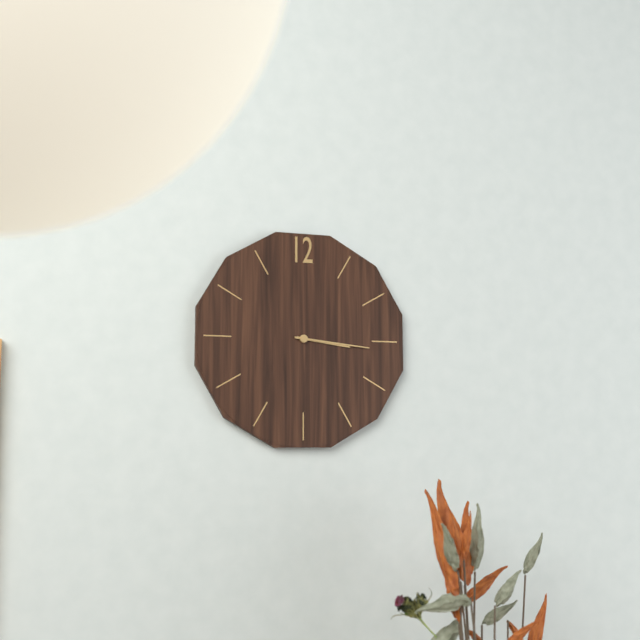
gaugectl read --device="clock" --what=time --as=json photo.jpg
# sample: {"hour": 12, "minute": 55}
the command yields {"hour": 3, "minute": 16}
